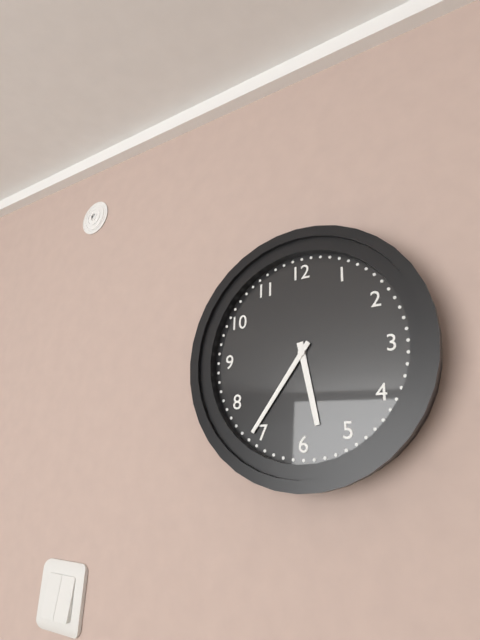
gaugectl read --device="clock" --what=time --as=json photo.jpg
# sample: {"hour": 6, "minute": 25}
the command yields {"hour": 5, "minute": 36}
